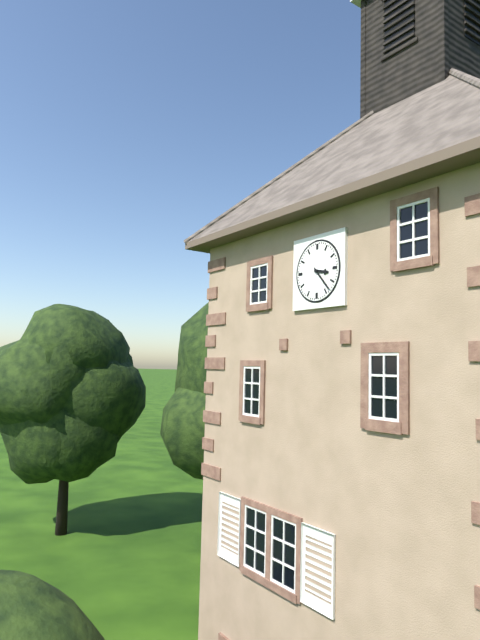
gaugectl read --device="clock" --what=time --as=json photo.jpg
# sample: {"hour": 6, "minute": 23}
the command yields {"hour": 3, "minute": 23}
